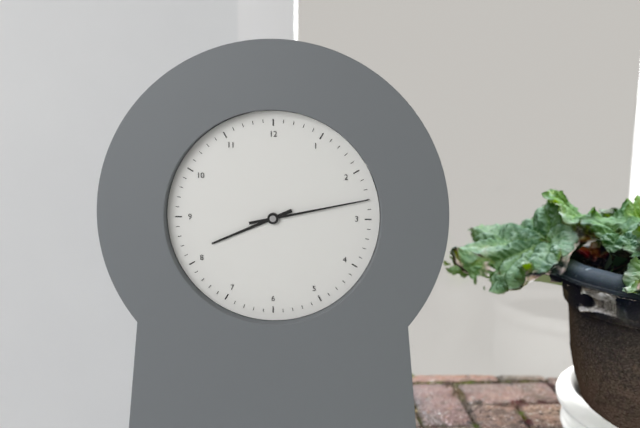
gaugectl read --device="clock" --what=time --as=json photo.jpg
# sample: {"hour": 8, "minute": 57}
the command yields {"hour": 8, "minute": 13}
